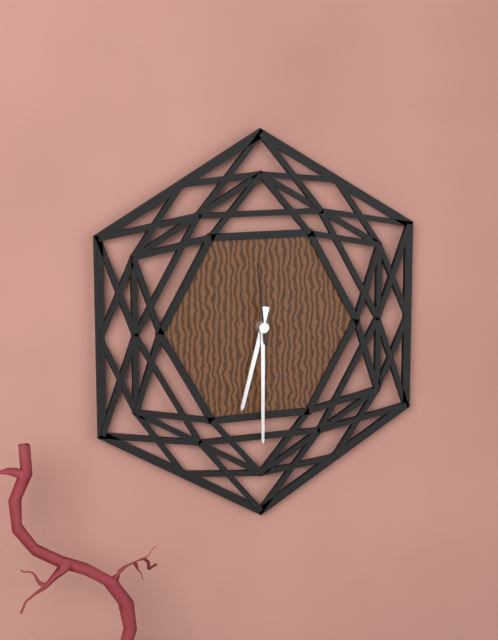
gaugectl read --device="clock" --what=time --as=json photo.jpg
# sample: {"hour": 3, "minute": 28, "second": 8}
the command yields {"hour": 6, "minute": 30, "second": 59}
